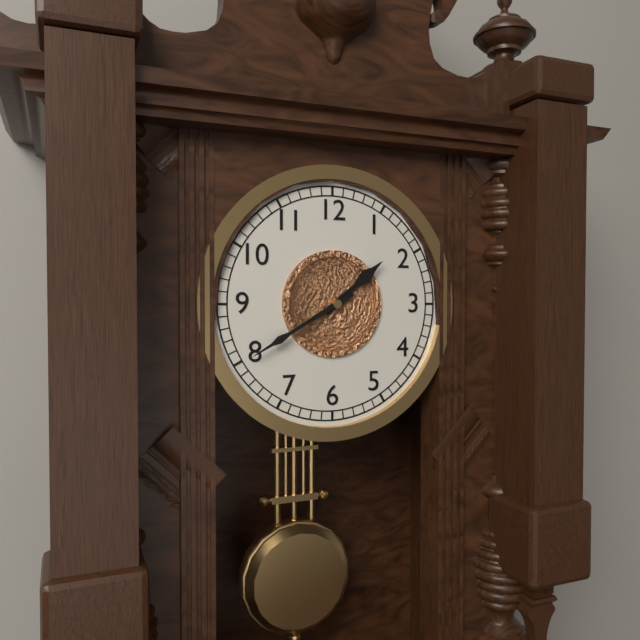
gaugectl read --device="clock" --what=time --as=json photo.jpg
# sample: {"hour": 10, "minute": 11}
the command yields {"hour": 1, "minute": 40}
